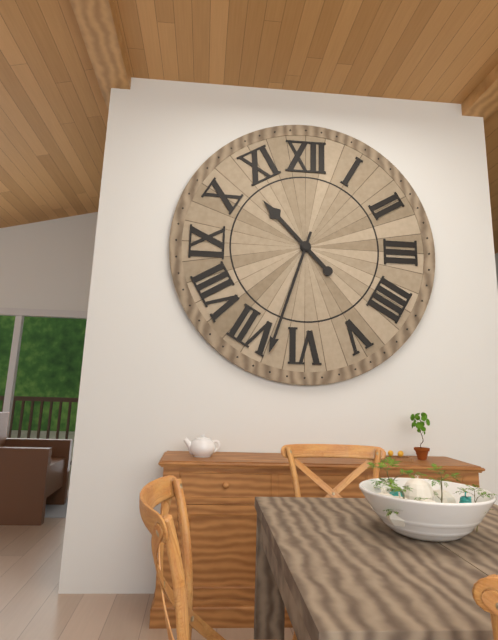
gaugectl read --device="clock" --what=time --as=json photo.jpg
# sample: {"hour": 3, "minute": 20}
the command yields {"hour": 10, "minute": 33}
